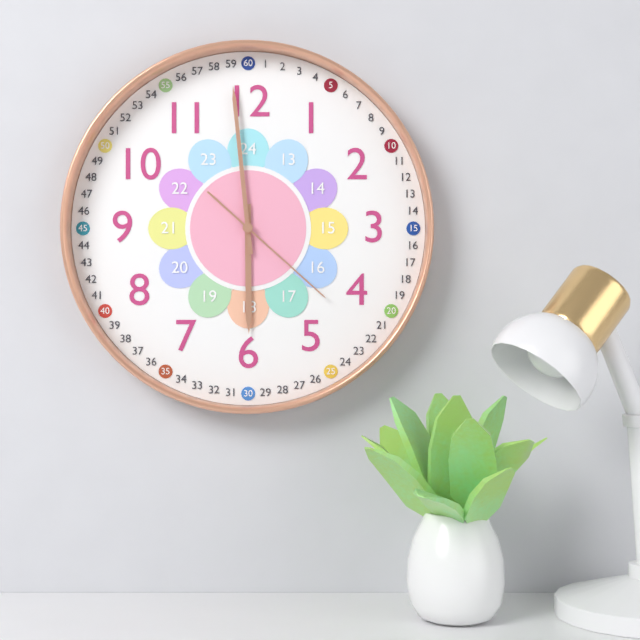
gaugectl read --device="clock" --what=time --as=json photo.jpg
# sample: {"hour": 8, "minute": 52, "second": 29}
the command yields {"hour": 5, "minute": 59, "second": 22}
